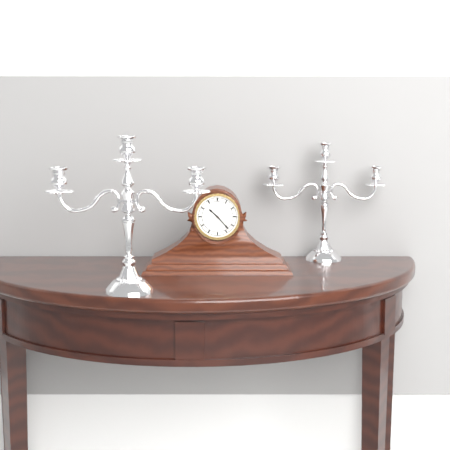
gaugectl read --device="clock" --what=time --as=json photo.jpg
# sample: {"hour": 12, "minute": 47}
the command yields {"hour": 10, "minute": 23}
